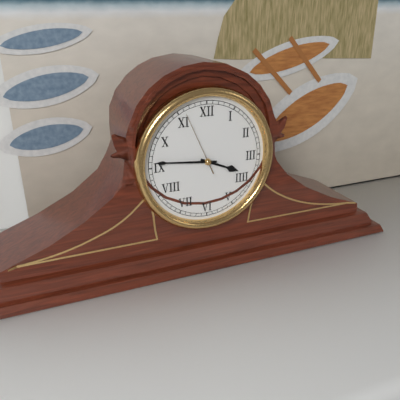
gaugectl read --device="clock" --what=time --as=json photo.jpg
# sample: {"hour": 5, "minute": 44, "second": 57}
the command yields {"hour": 3, "minute": 46, "second": 56}
